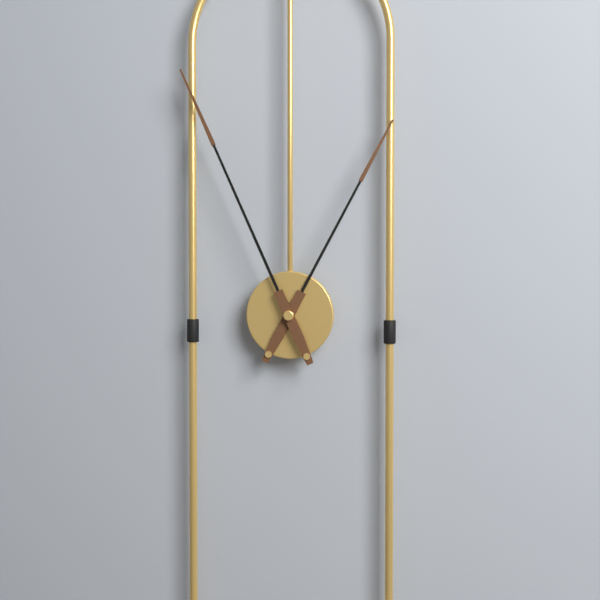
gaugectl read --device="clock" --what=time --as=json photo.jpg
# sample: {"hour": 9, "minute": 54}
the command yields {"hour": 12, "minute": 56}
